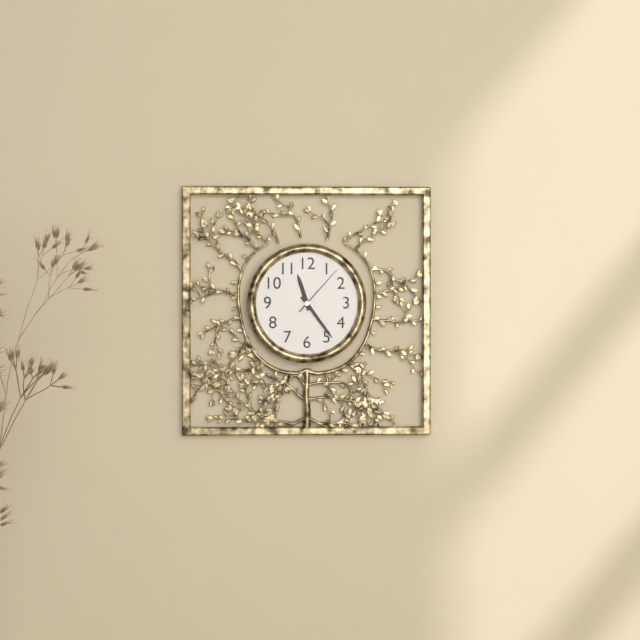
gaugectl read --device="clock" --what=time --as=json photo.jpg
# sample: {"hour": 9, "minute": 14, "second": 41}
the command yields {"hour": 11, "minute": 24, "second": 7}
